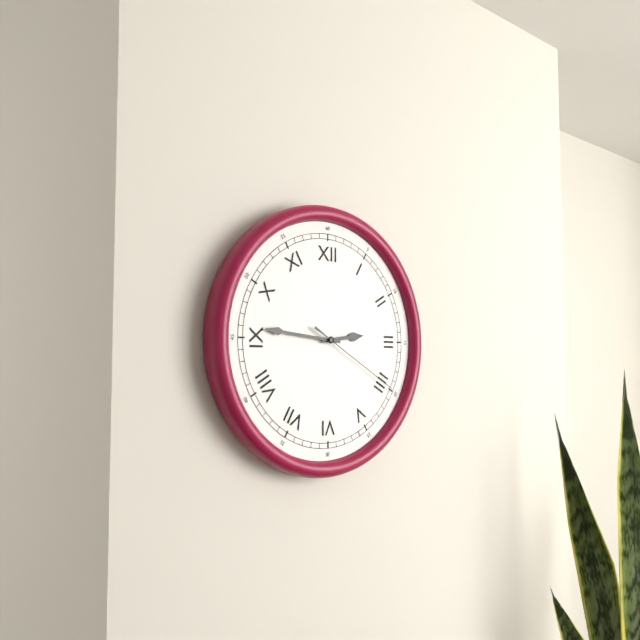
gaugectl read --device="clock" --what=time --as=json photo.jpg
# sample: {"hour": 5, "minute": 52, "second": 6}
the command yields {"hour": 2, "minute": 46, "second": 20}
